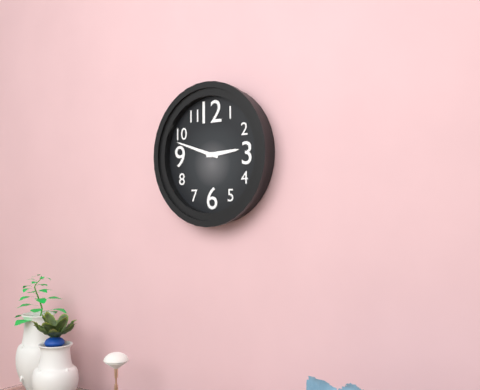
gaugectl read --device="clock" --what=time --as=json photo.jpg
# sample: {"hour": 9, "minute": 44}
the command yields {"hour": 2, "minute": 48}
